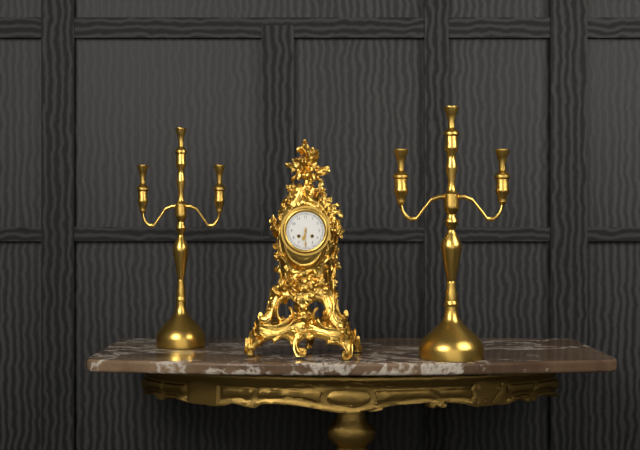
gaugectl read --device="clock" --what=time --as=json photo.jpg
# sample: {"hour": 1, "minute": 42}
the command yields {"hour": 6, "minute": 30}
